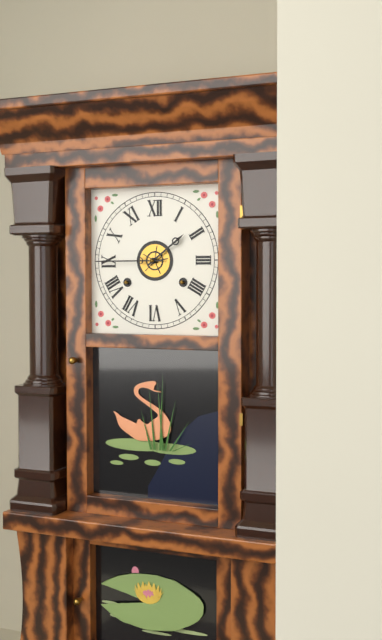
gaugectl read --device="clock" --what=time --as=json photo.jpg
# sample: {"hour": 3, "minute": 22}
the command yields {"hour": 1, "minute": 45}
